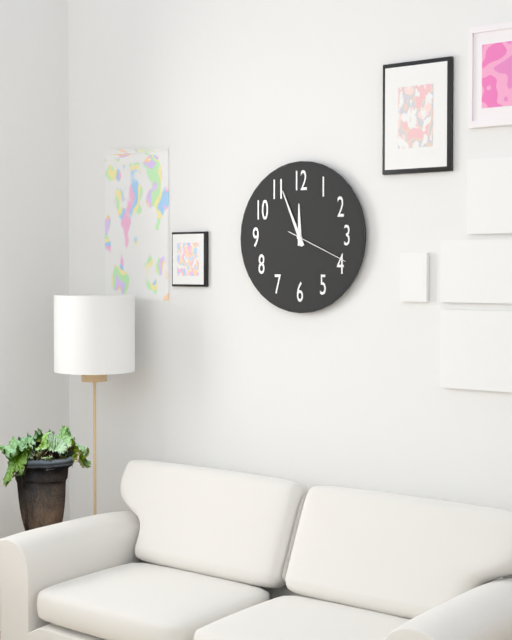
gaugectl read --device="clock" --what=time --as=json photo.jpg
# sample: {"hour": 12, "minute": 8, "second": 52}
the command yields {"hour": 11, "minute": 56, "second": 19}
